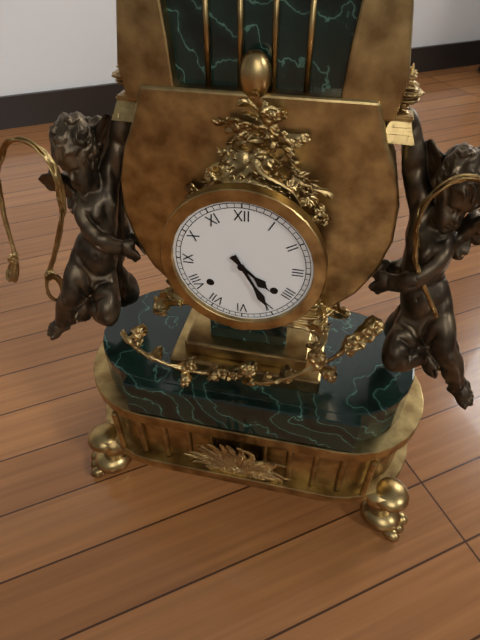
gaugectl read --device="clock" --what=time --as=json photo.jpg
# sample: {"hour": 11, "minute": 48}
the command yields {"hour": 4, "minute": 25}
